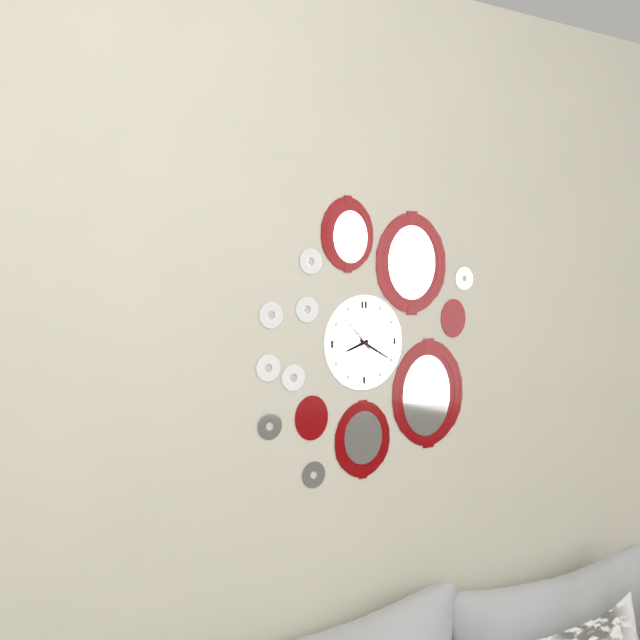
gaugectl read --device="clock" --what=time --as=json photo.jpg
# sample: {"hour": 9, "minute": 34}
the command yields {"hour": 8, "minute": 20}
